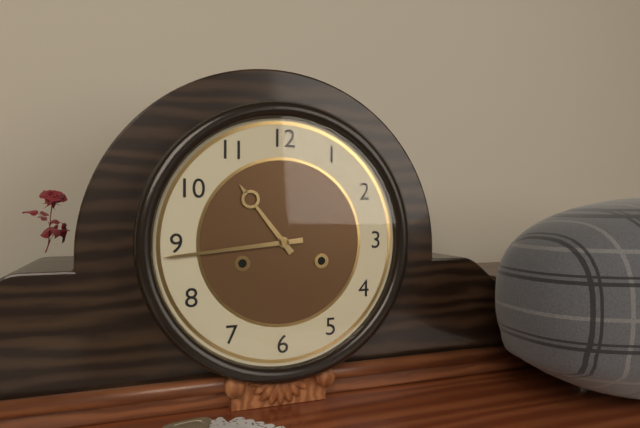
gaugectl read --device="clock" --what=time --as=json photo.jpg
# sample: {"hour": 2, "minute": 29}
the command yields {"hour": 10, "minute": 44}
